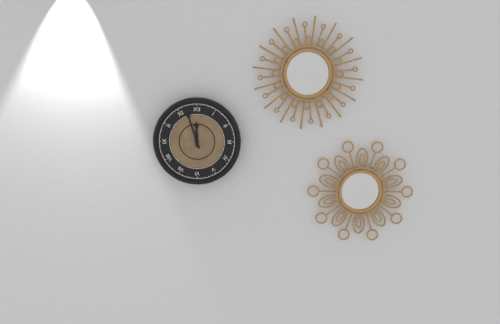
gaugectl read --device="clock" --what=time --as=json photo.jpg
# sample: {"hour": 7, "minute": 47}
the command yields {"hour": 11, "minute": 57}
